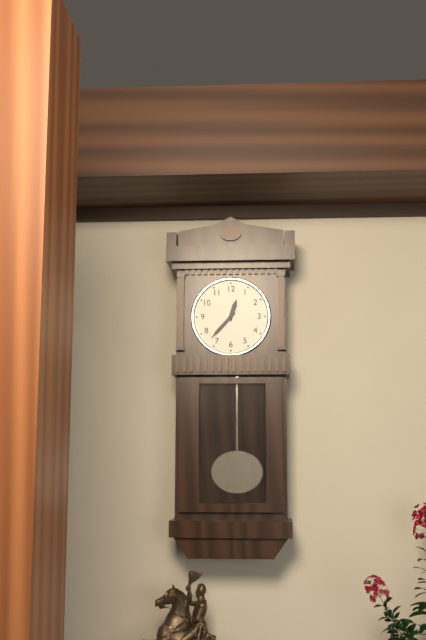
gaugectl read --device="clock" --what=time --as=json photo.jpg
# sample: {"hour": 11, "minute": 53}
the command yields {"hour": 12, "minute": 37}
